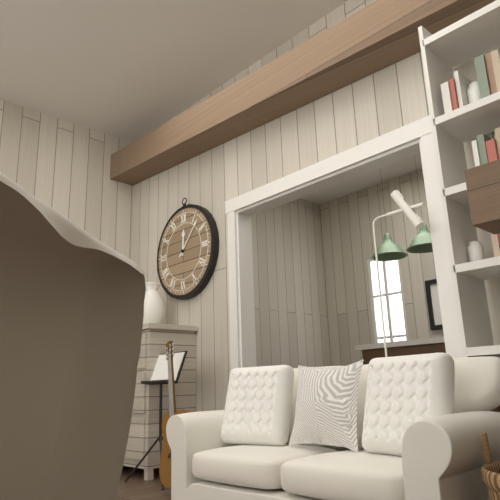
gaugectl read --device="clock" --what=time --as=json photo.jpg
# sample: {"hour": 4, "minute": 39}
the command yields {"hour": 12, "minute": 7}
